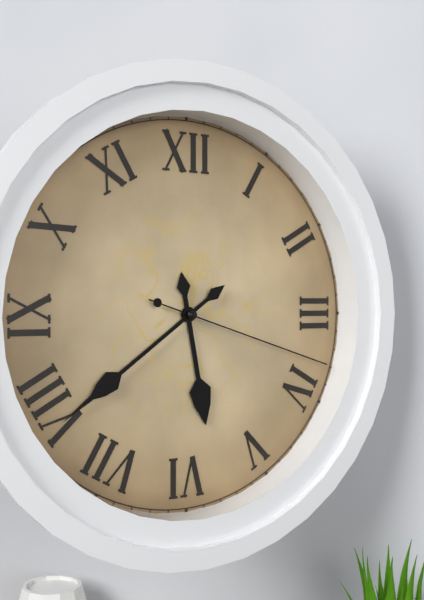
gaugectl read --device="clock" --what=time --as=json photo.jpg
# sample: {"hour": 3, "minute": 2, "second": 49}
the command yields {"hour": 5, "minute": 39, "second": 18}
